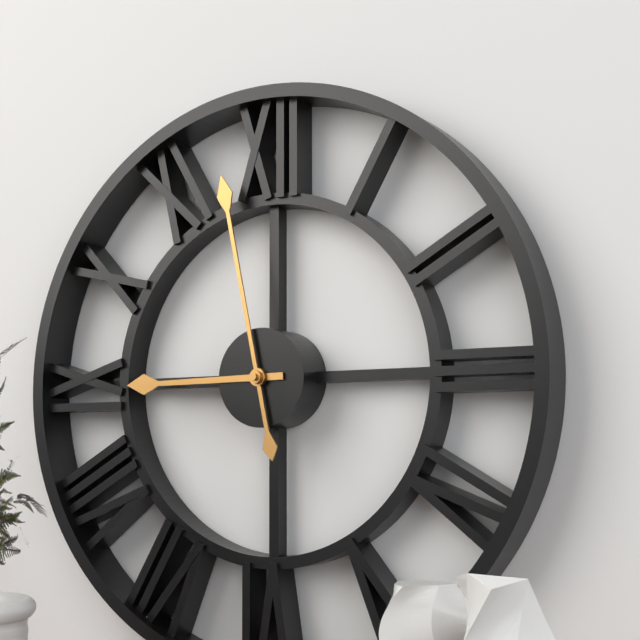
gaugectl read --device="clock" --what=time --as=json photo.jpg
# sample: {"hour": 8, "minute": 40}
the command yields {"hour": 8, "minute": 58}
